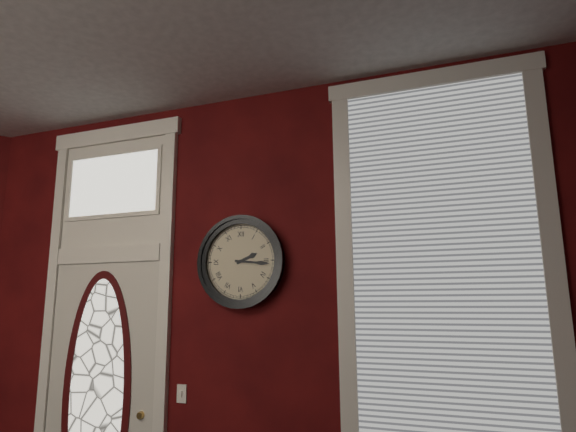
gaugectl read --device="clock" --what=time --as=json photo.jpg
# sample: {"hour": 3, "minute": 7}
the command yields {"hour": 2, "minute": 16}
